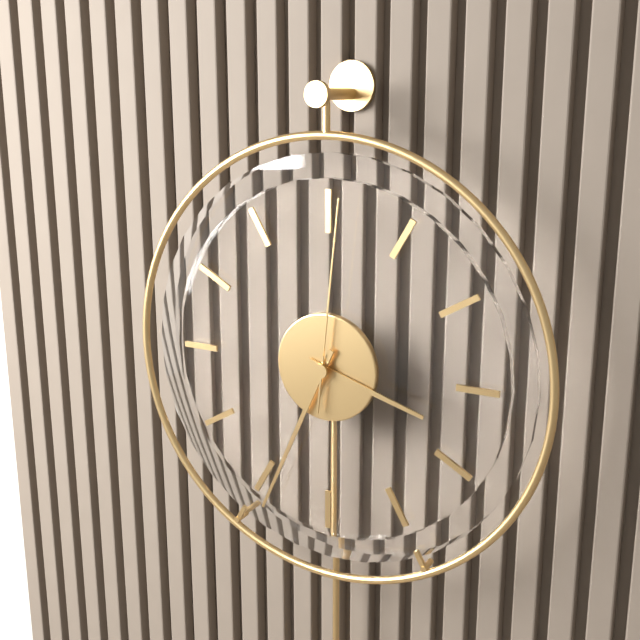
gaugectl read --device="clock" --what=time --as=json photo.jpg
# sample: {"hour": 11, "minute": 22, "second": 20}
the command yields {"hour": 3, "minute": 34, "second": 1}
